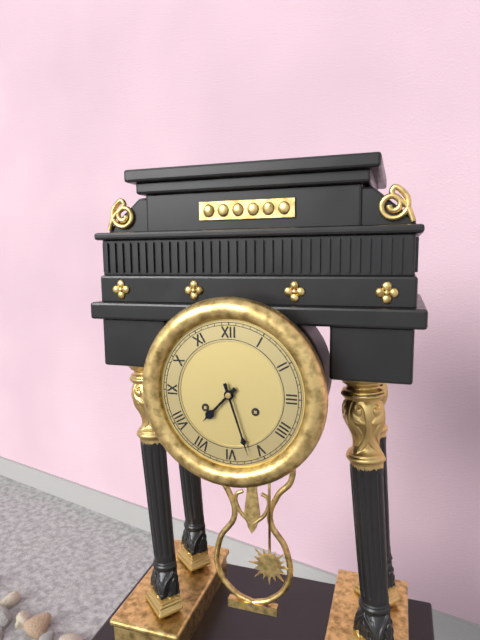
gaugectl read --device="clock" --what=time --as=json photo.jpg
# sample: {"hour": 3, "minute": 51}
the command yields {"hour": 7, "minute": 27}
